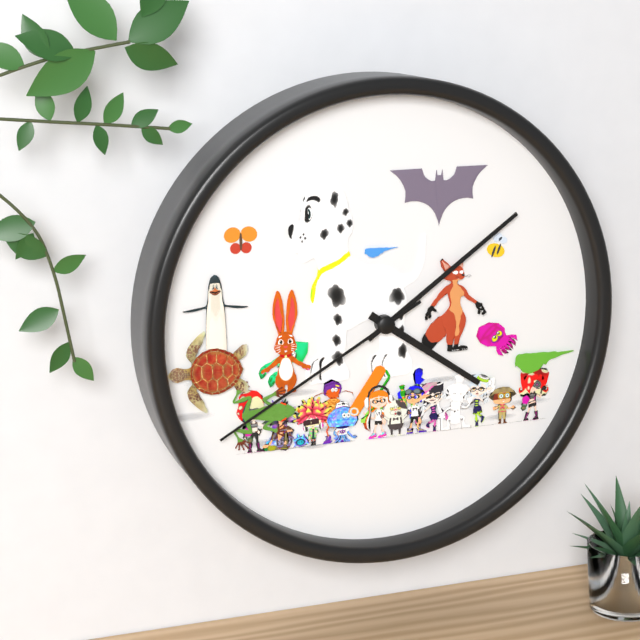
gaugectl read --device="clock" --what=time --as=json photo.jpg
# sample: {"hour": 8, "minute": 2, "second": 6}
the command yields {"hour": 4, "minute": 9, "second": 40}
